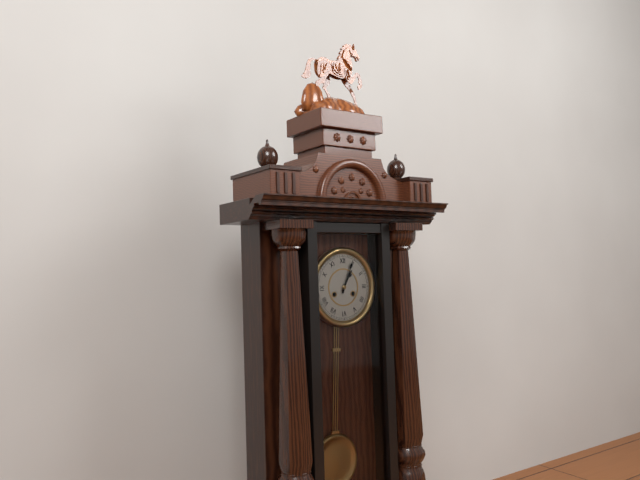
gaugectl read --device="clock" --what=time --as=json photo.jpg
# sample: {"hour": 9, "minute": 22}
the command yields {"hour": 1, "minute": 4}
